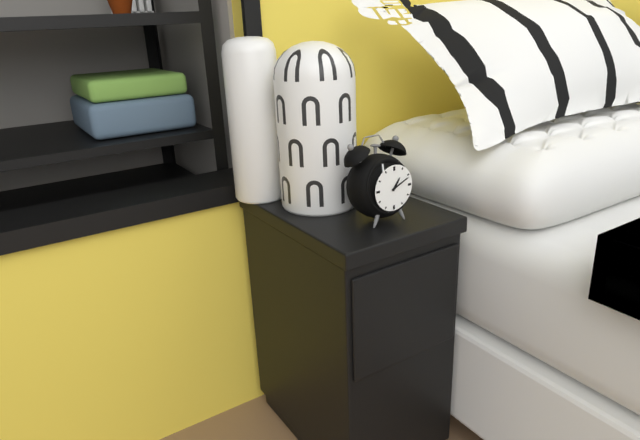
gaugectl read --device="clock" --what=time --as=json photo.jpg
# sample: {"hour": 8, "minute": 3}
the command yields {"hour": 1, "minute": 11}
